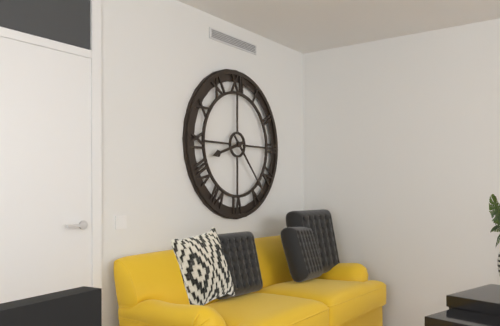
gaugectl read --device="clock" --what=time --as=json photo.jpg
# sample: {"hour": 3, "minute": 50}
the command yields {"hour": 8, "minute": 23}
